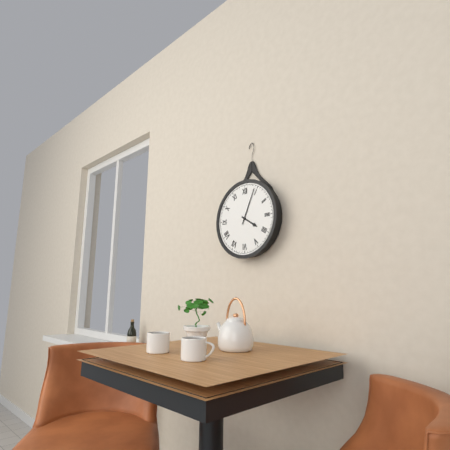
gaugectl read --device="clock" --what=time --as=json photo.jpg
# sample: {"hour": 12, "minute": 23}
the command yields {"hour": 4, "minute": 4}
